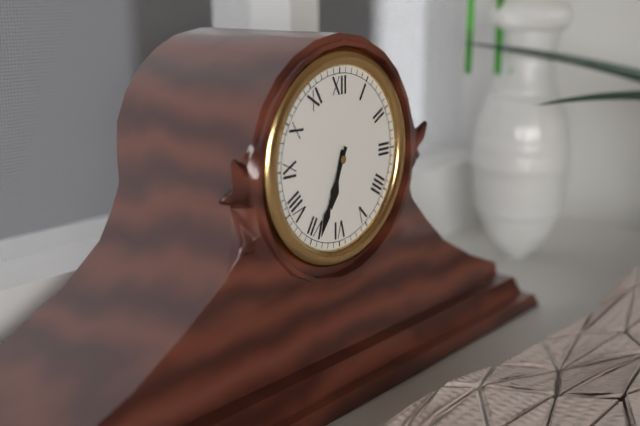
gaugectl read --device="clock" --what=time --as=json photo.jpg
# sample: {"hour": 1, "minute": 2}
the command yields {"hour": 6, "minute": 34}
